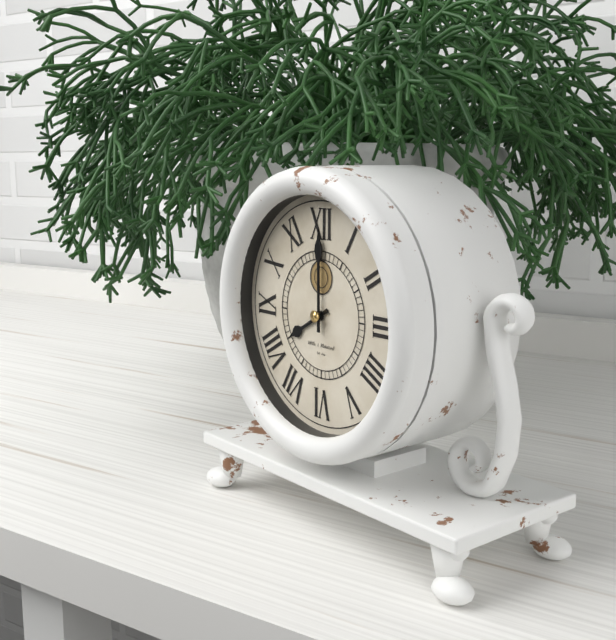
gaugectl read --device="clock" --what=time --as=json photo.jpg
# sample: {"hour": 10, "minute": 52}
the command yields {"hour": 8, "minute": 0}
